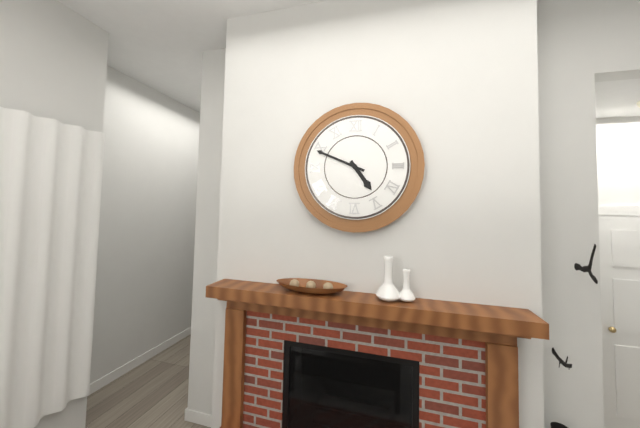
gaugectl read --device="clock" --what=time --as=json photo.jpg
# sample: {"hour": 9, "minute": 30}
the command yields {"hour": 4, "minute": 49}
